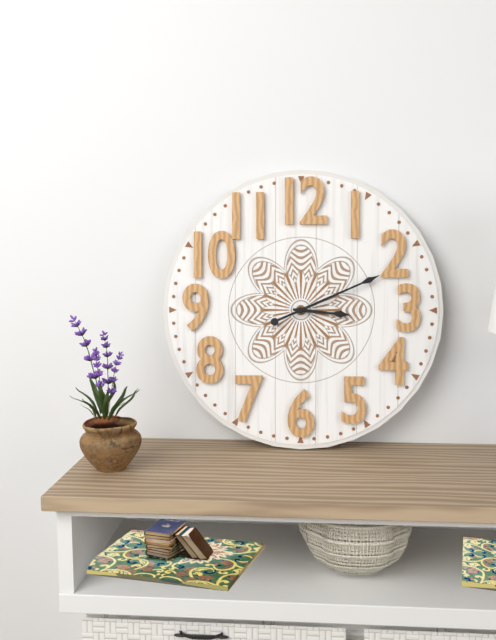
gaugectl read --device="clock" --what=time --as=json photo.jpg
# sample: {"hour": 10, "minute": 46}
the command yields {"hour": 3, "minute": 11}
